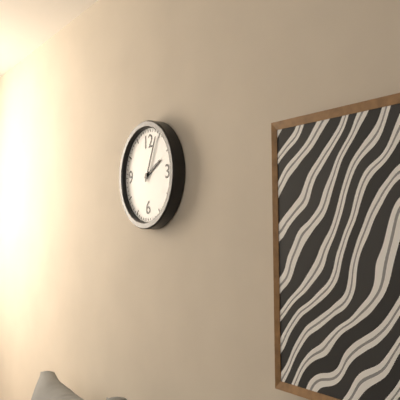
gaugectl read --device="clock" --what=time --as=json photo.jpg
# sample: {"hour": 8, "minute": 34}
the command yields {"hour": 2, "minute": 4}
